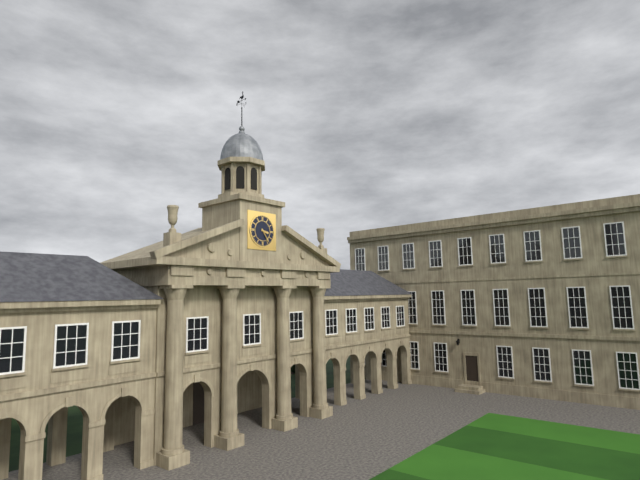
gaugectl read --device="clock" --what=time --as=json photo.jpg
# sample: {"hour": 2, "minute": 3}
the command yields {"hour": 3, "minute": 24}
